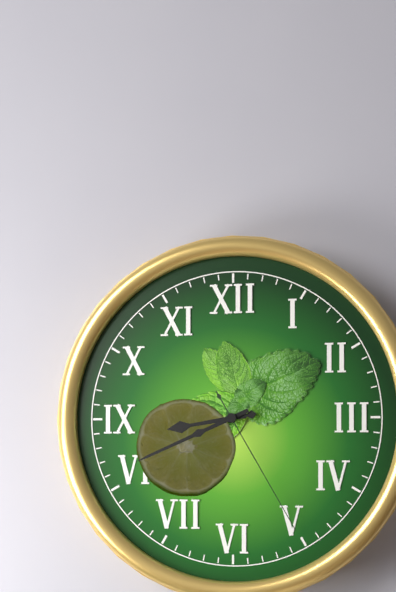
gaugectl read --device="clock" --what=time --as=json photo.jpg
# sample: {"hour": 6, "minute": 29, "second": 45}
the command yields {"hour": 8, "minute": 41, "second": 25}
